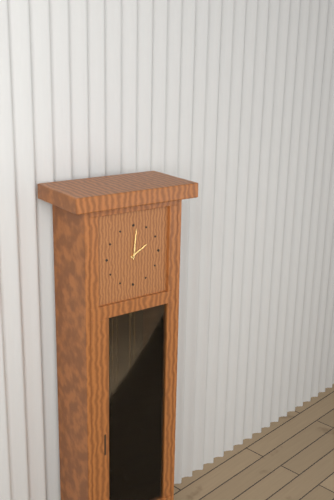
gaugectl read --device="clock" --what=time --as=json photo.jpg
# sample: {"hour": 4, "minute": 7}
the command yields {"hour": 2, "minute": 1}
